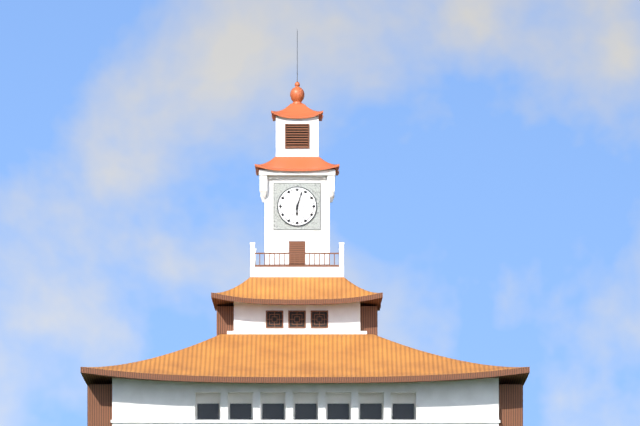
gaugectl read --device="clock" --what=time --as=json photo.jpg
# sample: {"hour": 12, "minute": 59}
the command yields {"hour": 6, "minute": 3}
